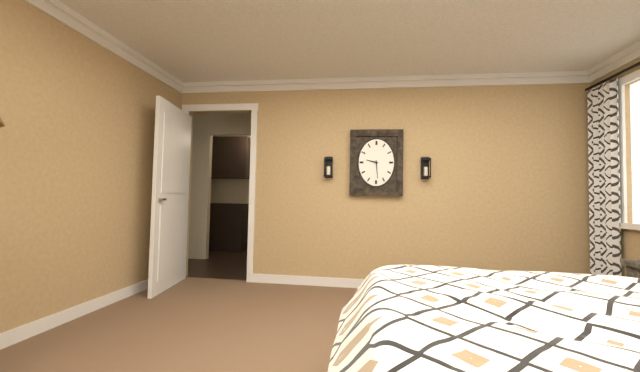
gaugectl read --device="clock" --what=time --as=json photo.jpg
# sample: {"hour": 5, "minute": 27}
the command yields {"hour": 9, "minute": 29}
